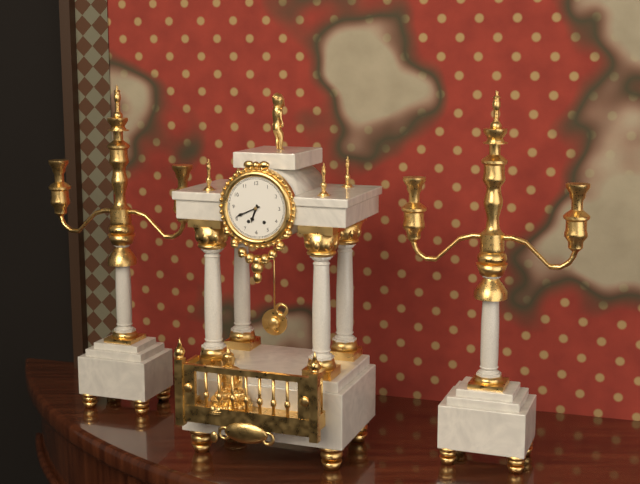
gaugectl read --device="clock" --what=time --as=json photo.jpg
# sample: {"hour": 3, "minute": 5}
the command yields {"hour": 6, "minute": 41}
